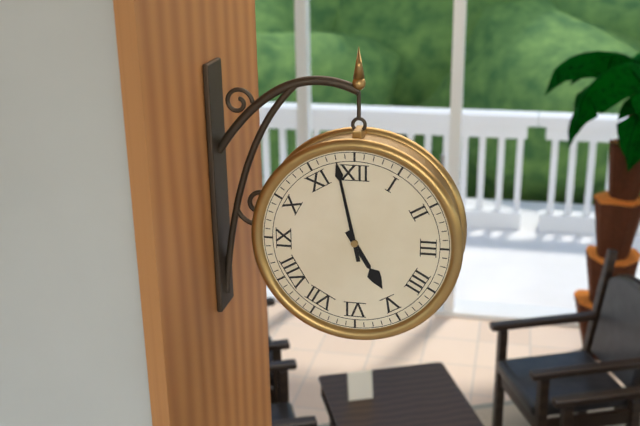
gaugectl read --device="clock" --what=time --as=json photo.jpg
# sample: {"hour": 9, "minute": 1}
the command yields {"hour": 4, "minute": 58}
